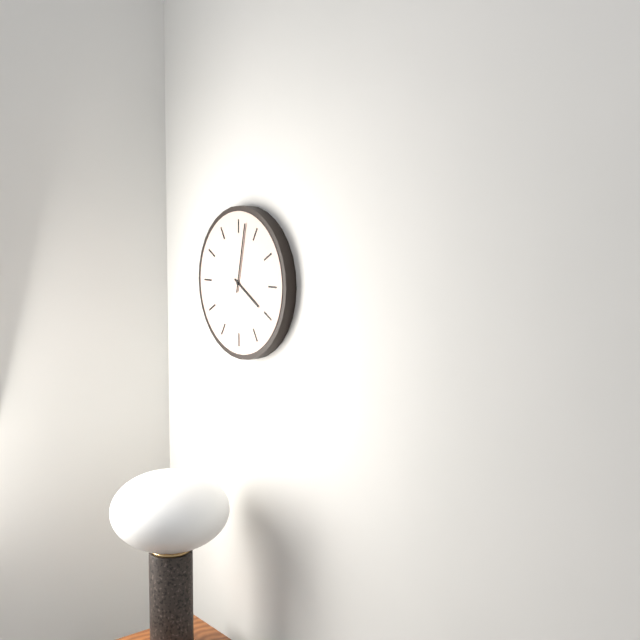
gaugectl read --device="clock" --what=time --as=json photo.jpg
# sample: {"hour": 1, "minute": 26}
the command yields {"hour": 4, "minute": 2}
